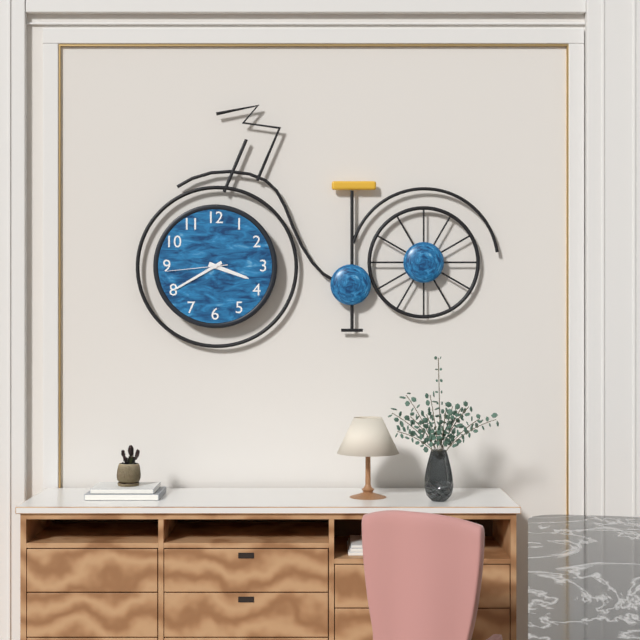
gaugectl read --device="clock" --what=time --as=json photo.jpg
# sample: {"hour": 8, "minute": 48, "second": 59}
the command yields {"hour": 3, "minute": 40, "second": 44}
